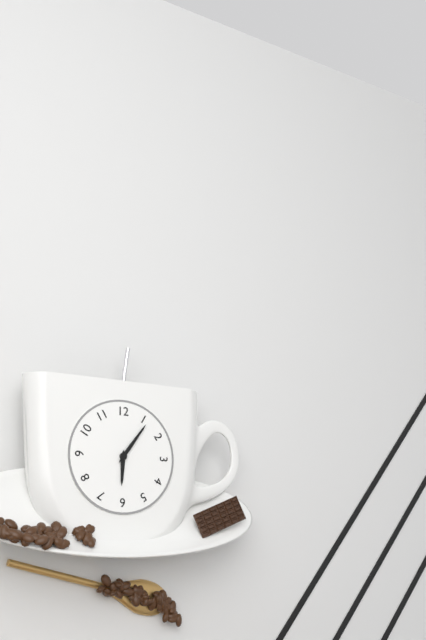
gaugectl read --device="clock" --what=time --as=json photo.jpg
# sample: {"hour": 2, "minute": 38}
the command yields {"hour": 6, "minute": 6}
